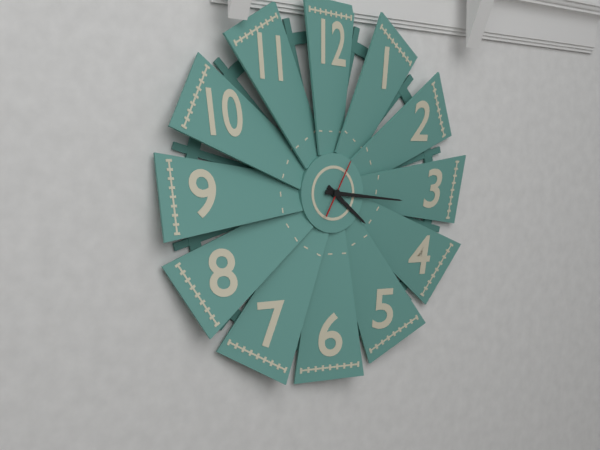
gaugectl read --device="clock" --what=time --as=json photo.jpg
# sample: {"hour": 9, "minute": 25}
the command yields {"hour": 4, "minute": 16}
